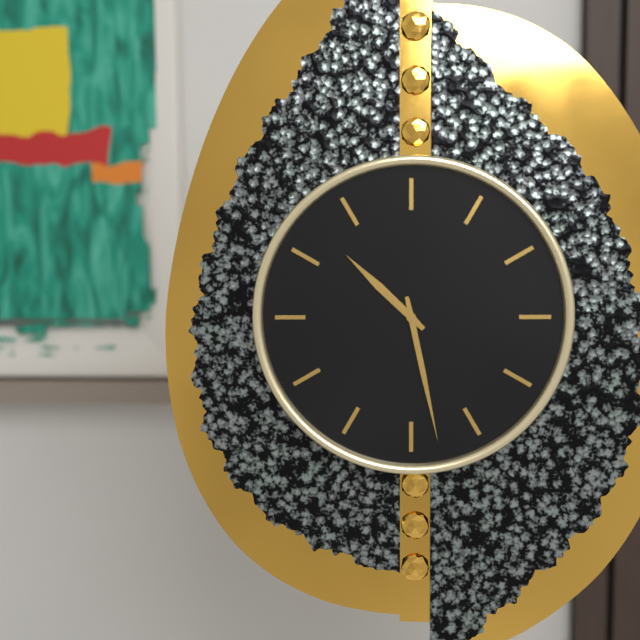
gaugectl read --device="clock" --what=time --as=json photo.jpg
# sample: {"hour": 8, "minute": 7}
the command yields {"hour": 10, "minute": 28}
